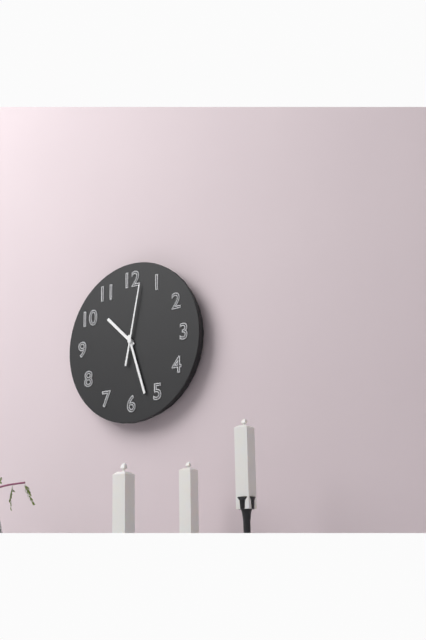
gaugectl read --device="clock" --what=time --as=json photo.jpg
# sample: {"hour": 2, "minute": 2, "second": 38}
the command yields {"hour": 10, "minute": 27, "second": 2}
